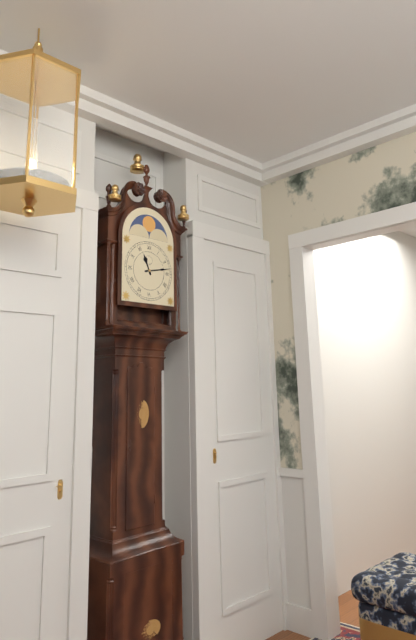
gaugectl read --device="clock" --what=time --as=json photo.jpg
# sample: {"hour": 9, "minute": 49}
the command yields {"hour": 11, "minute": 13}
